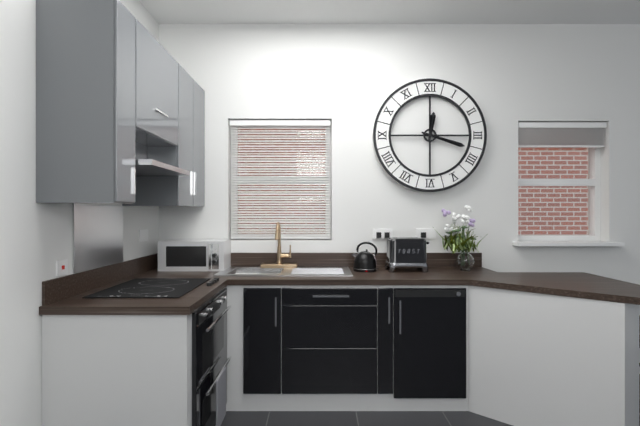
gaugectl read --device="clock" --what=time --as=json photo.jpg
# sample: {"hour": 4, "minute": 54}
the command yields {"hour": 12, "minute": 18}
